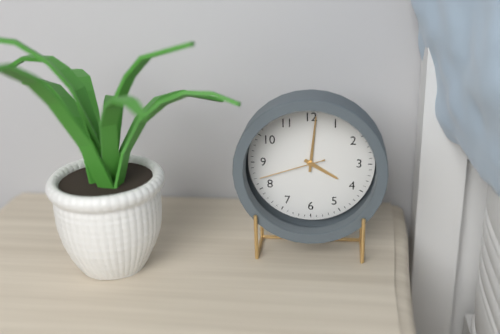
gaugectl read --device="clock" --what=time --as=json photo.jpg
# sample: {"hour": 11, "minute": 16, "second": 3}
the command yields {"hour": 4, "minute": 1, "second": 42}
